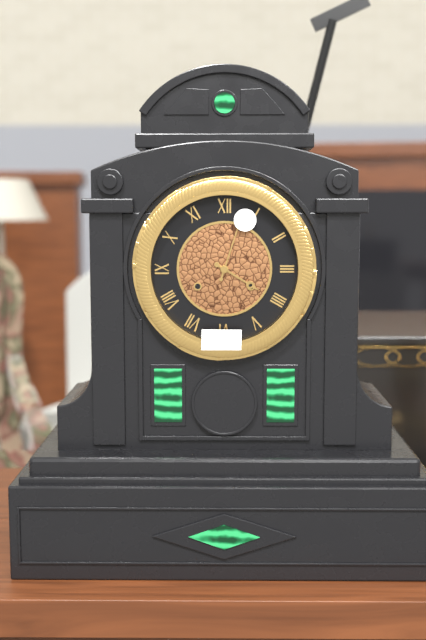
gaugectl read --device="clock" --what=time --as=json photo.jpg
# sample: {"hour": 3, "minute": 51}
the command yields {"hour": 4, "minute": 3}
